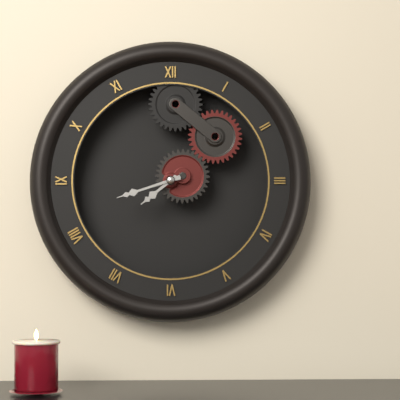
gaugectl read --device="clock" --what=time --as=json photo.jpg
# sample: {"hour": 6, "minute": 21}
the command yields {"hour": 7, "minute": 42}
